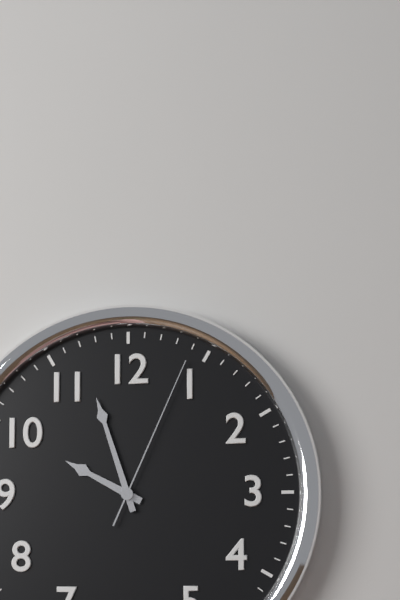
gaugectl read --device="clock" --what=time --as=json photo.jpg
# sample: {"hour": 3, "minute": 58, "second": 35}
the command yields {"hour": 9, "minute": 57, "second": 4}
